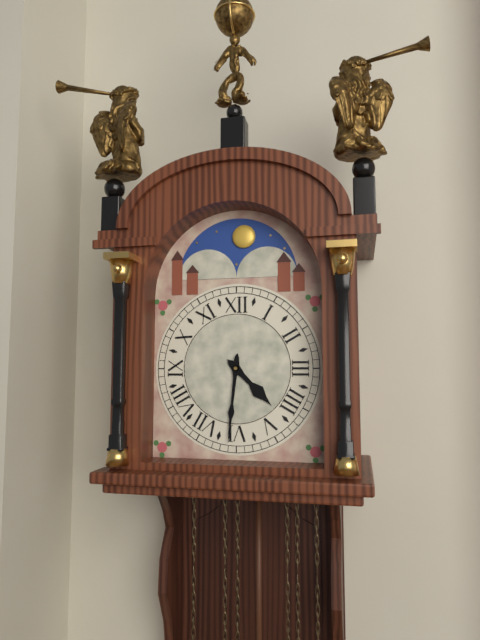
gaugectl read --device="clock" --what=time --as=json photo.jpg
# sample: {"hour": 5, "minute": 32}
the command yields {"hour": 4, "minute": 31}
